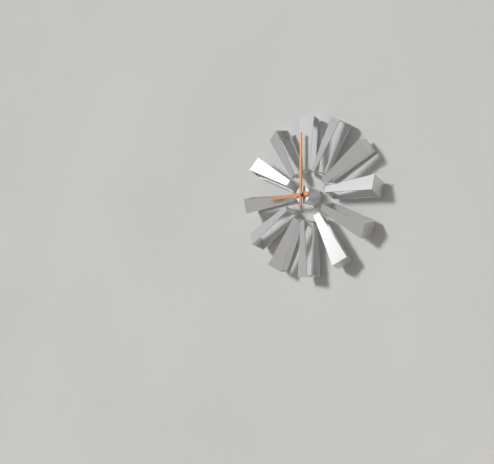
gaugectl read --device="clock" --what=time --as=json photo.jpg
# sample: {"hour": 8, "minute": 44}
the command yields {"hour": 9, "minute": 0}
